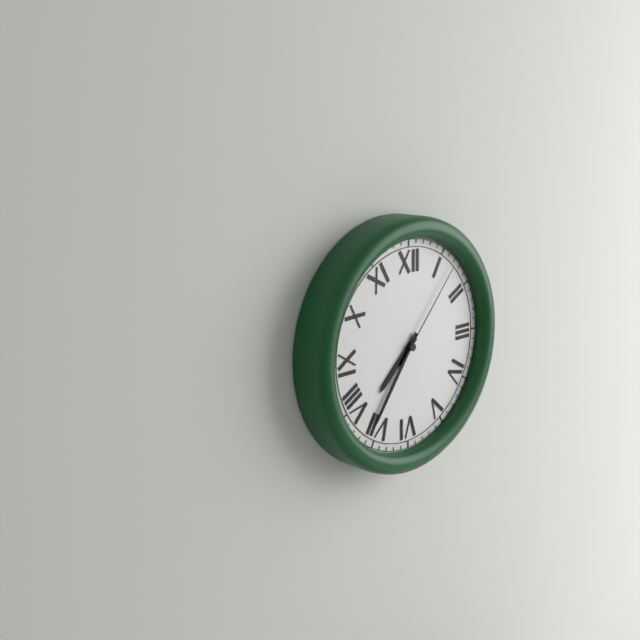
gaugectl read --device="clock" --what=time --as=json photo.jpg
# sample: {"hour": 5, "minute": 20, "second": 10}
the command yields {"hour": 7, "minute": 36, "second": 7}
